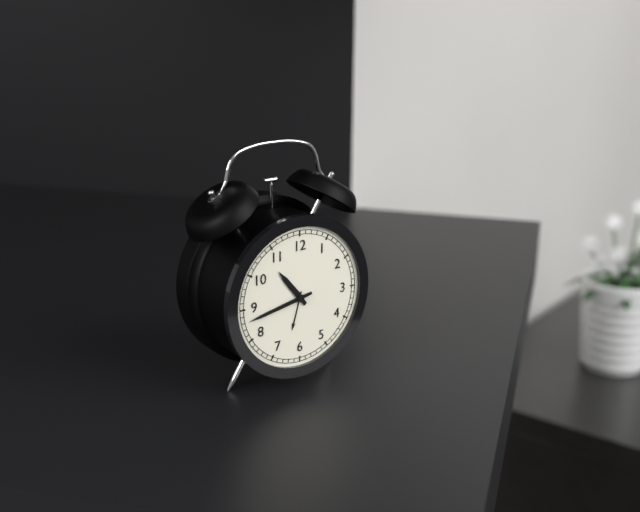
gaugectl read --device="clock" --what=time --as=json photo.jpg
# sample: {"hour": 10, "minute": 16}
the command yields {"hour": 10, "minute": 43}
